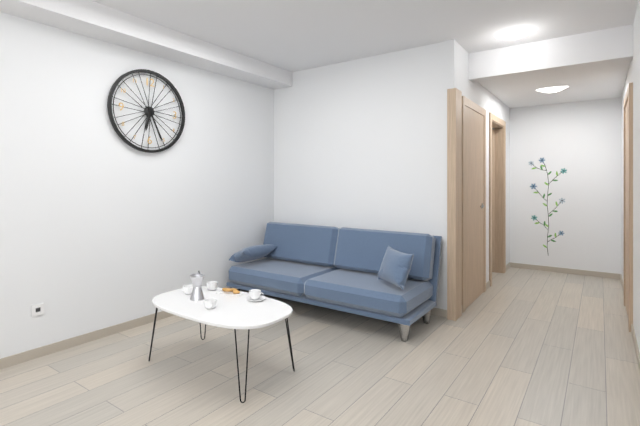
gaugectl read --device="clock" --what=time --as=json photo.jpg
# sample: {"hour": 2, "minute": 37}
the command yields {"hour": 6, "minute": 26}
